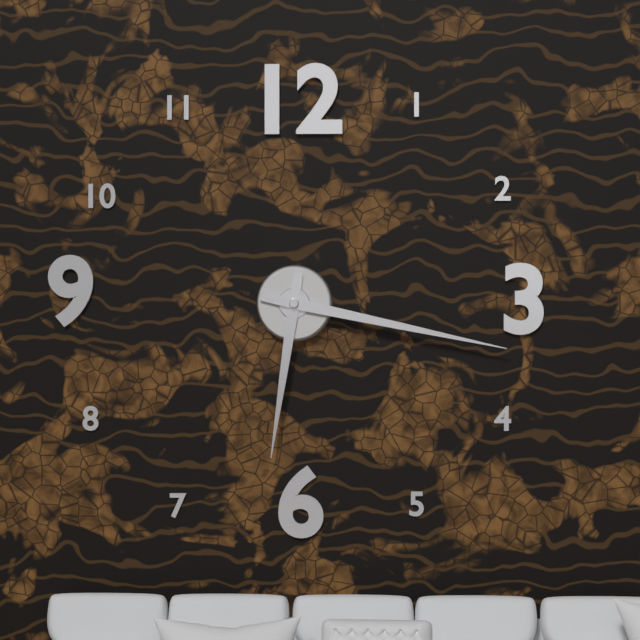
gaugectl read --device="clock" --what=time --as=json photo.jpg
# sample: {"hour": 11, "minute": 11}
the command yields {"hour": 6, "minute": 17}
